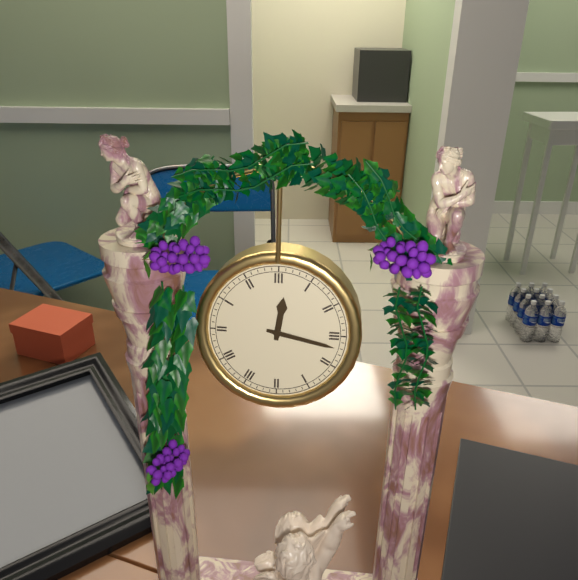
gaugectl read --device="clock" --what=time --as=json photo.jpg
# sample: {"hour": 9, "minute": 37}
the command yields {"hour": 12, "minute": 17}
